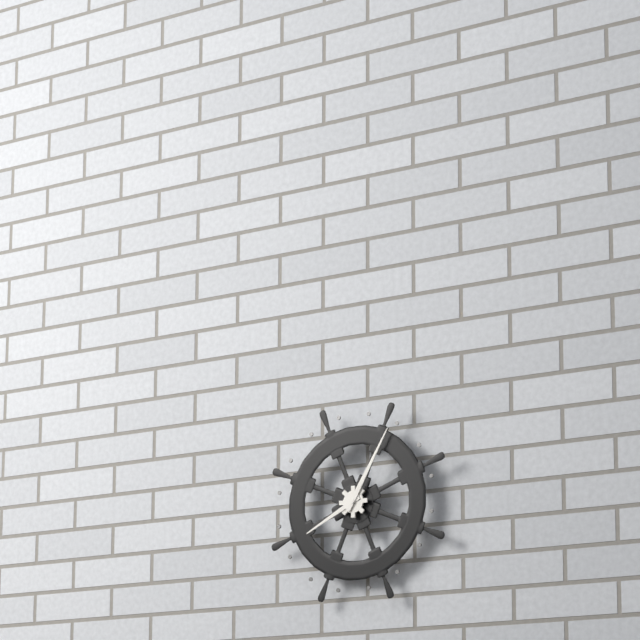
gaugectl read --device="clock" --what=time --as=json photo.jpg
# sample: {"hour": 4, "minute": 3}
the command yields {"hour": 8, "minute": 5}
